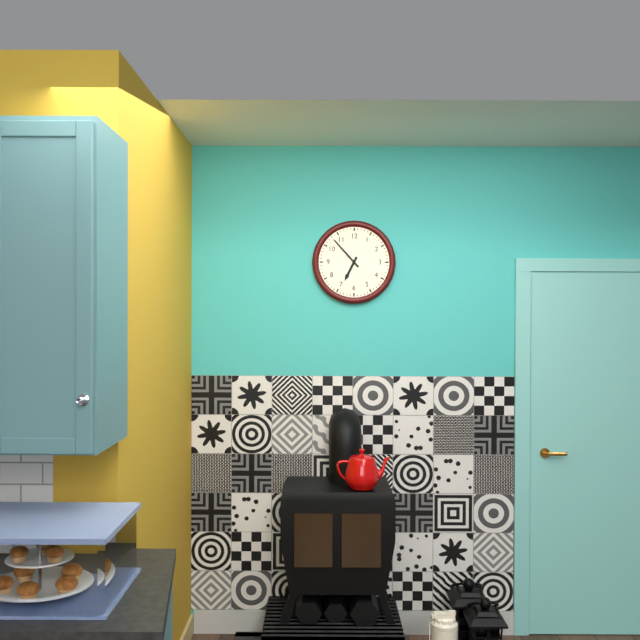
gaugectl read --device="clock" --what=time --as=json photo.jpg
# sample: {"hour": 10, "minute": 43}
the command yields {"hour": 6, "minute": 53}
